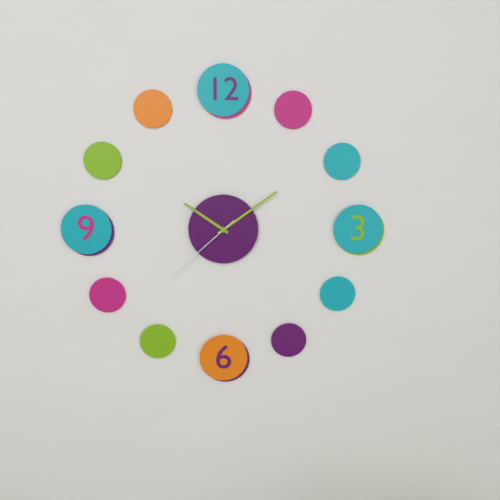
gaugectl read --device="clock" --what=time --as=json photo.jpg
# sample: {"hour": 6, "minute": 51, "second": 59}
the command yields {"hour": 10, "minute": 9, "second": 38}
